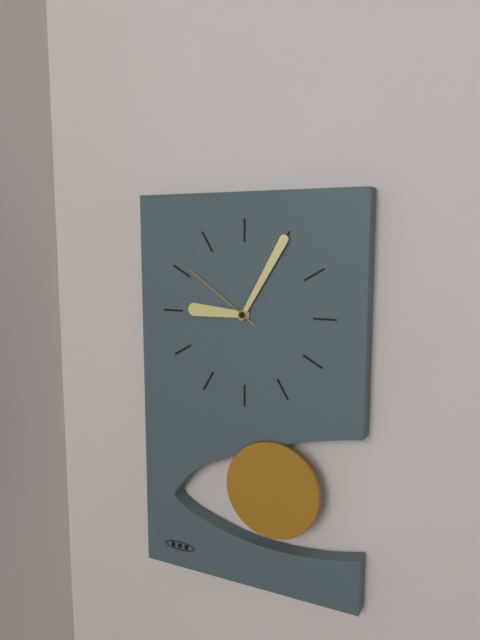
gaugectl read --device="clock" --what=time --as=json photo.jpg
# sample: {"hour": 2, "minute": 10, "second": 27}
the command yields {"hour": 9, "minute": 5, "second": 51}
